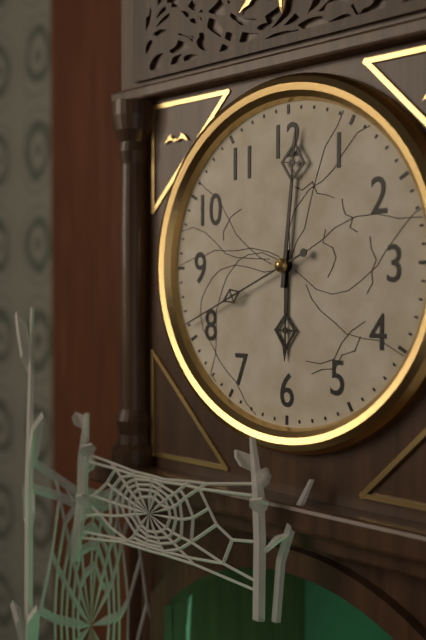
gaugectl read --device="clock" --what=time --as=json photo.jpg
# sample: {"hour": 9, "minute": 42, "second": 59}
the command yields {"hour": 6, "minute": 1, "second": 41}
